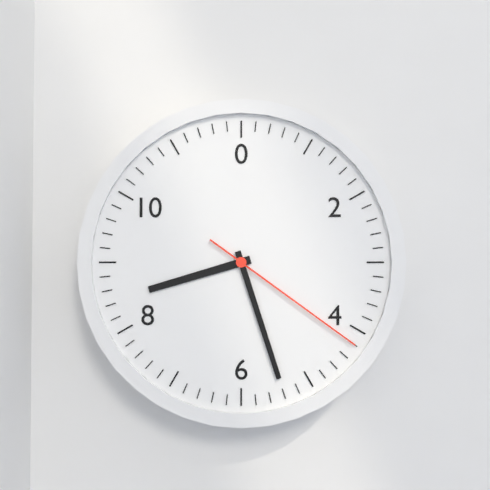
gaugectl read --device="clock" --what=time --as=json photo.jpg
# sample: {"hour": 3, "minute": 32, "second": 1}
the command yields {"hour": 8, "minute": 27, "second": 21}
